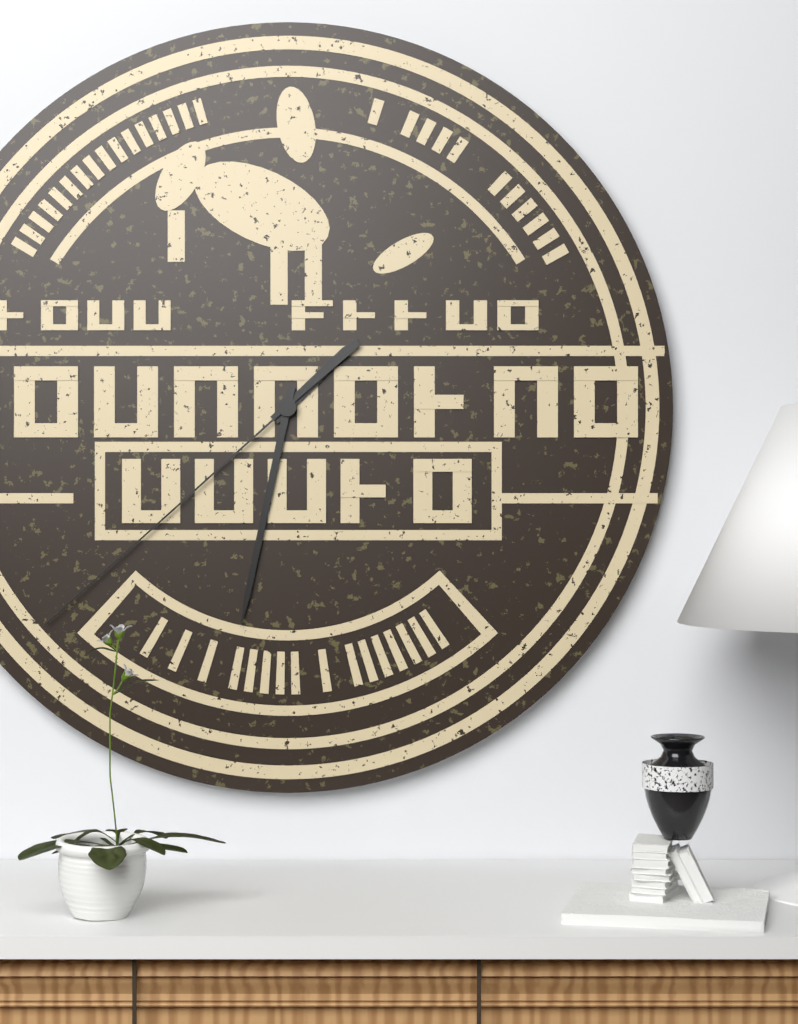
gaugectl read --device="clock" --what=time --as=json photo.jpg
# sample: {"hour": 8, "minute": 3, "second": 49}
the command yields {"hour": 1, "minute": 32, "second": 38}
